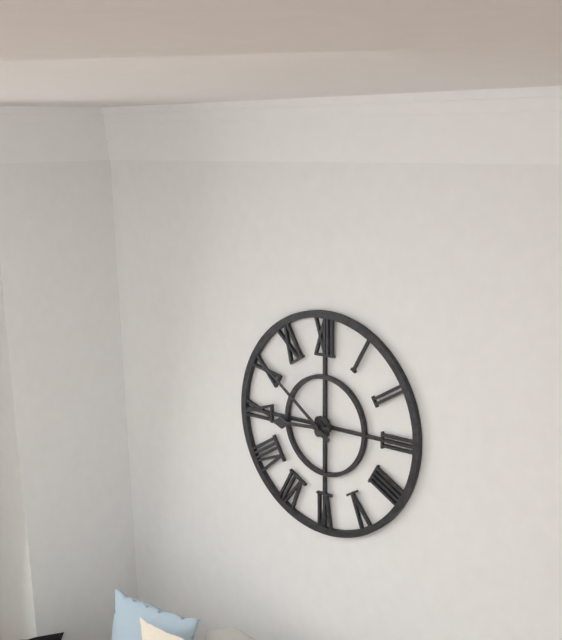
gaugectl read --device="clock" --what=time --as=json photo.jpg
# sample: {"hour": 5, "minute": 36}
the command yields {"hour": 8, "minute": 51}
